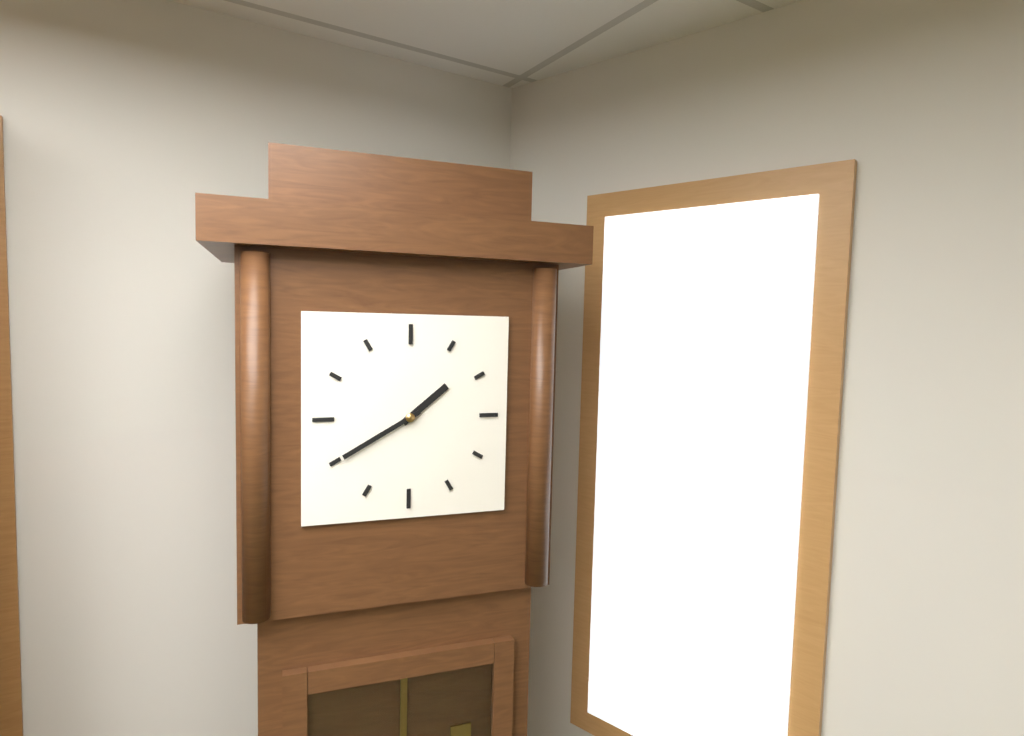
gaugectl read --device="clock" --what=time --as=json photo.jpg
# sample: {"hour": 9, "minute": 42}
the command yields {"hour": 1, "minute": 40}
